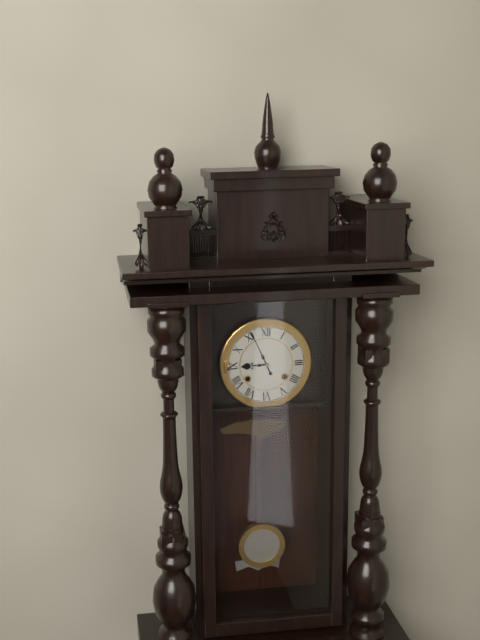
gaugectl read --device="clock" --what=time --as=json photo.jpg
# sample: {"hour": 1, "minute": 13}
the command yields {"hour": 8, "minute": 56}
